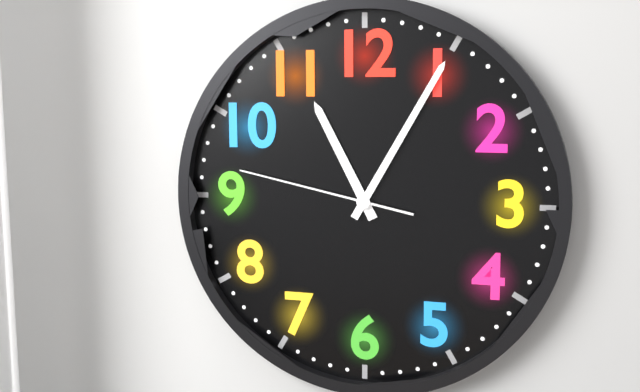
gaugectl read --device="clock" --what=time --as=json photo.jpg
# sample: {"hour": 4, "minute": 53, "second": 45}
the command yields {"hour": 11, "minute": 5, "second": 47}
